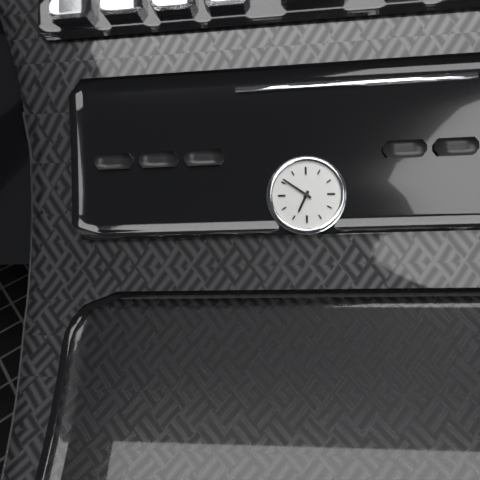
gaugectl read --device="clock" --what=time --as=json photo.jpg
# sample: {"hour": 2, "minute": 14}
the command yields {"hour": 6, "minute": 51}
